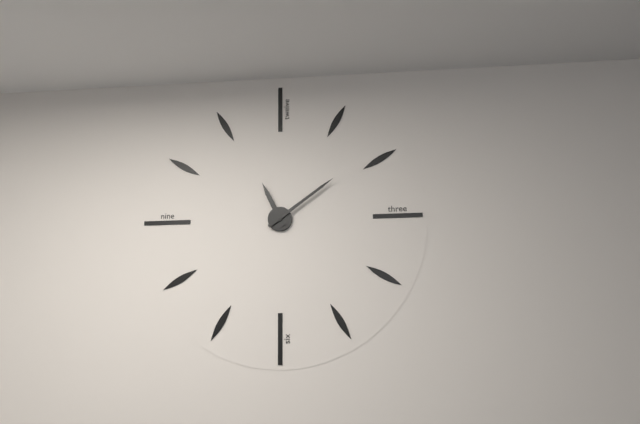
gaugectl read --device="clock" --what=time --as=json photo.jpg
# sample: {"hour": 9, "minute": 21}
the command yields {"hour": 11, "minute": 9}
